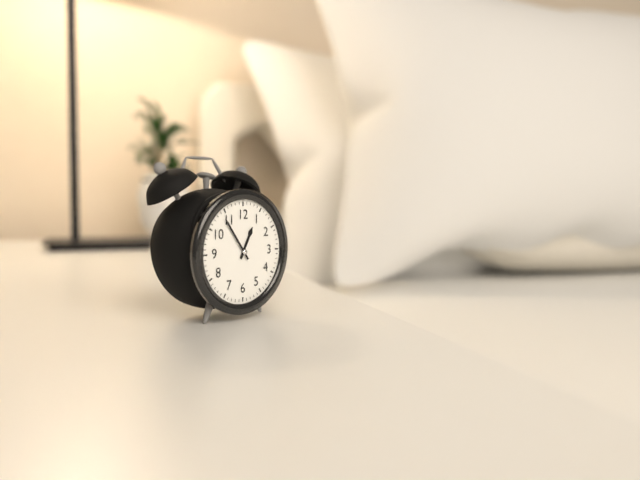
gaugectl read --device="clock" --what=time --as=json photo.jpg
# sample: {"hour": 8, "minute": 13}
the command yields {"hour": 12, "minute": 54}
